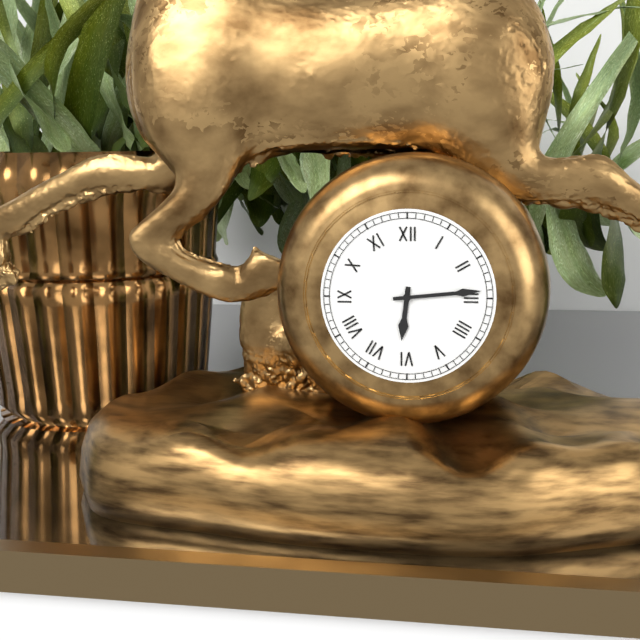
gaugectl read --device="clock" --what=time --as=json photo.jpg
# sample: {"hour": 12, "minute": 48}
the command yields {"hour": 6, "minute": 14}
